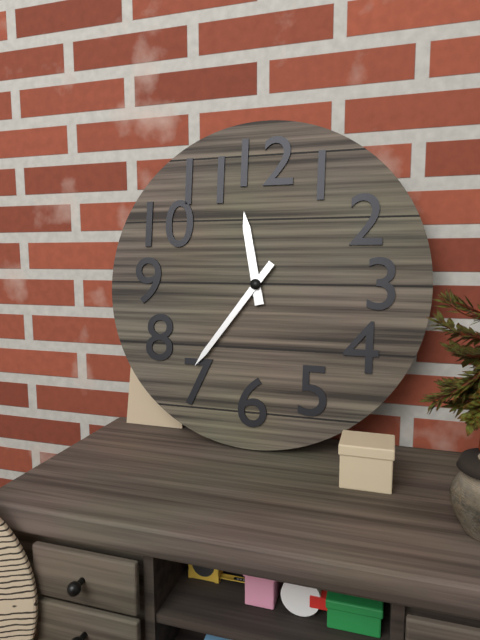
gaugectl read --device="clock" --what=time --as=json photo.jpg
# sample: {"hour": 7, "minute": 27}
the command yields {"hour": 11, "minute": 36}
